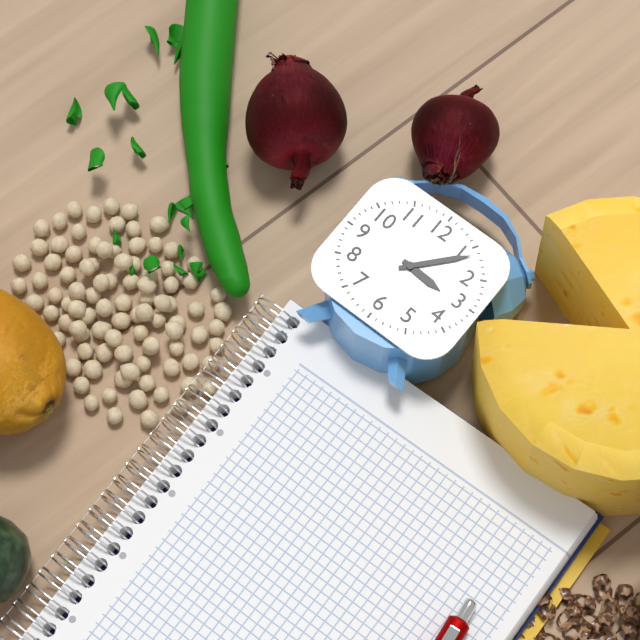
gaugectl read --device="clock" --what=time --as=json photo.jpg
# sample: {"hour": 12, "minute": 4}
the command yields {"hour": 3, "minute": 7}
